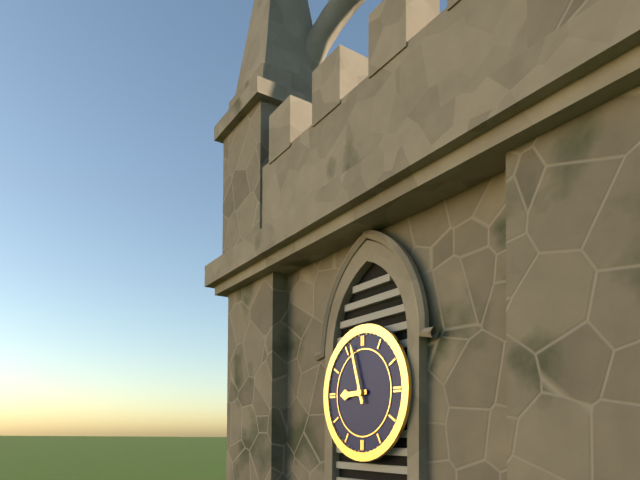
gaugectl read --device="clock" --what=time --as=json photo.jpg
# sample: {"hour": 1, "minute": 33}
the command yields {"hour": 8, "minute": 57}
